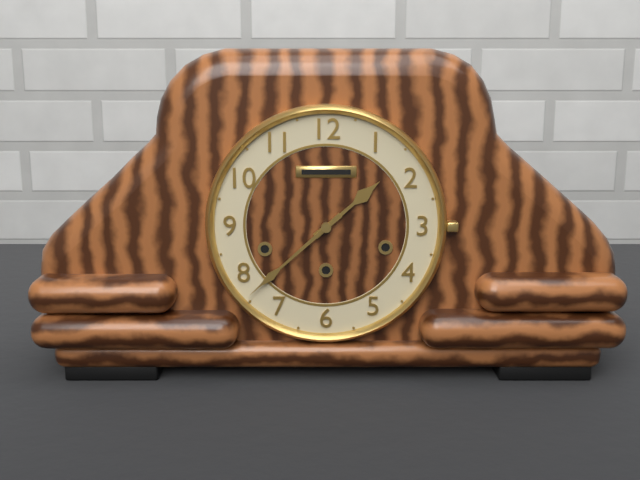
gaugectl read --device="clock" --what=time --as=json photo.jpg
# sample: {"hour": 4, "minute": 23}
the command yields {"hour": 1, "minute": 38}
